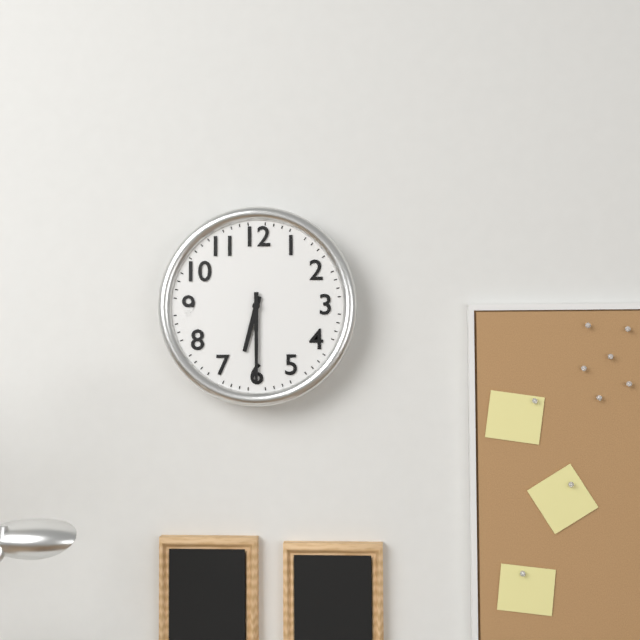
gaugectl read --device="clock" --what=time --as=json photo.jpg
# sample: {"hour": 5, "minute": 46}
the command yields {"hour": 6, "minute": 30}
